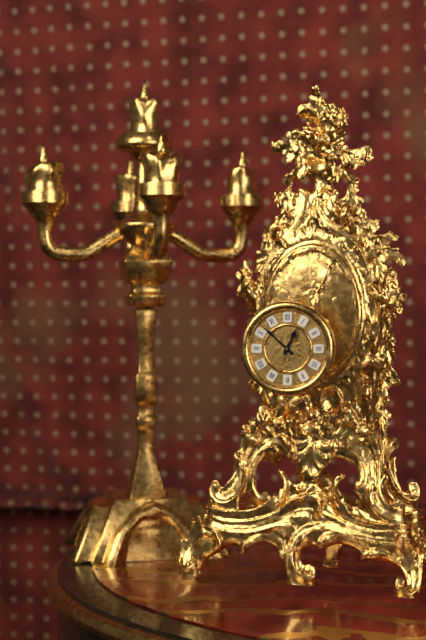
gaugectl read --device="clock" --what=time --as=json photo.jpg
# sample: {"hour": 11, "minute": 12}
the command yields {"hour": 12, "minute": 52}
